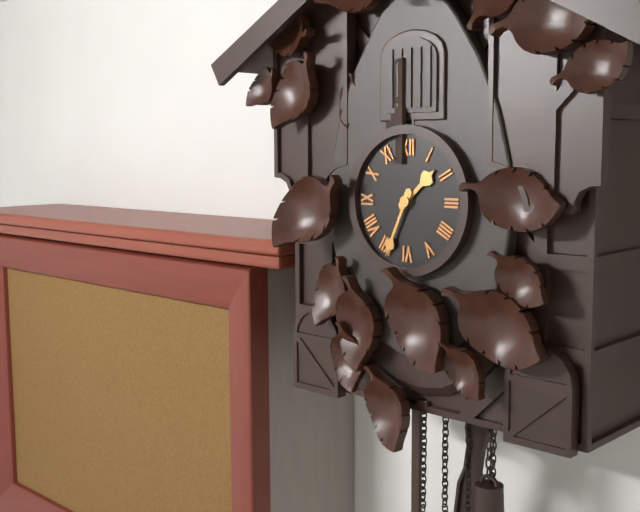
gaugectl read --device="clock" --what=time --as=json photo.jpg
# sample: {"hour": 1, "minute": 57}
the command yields {"hour": 1, "minute": 34}
